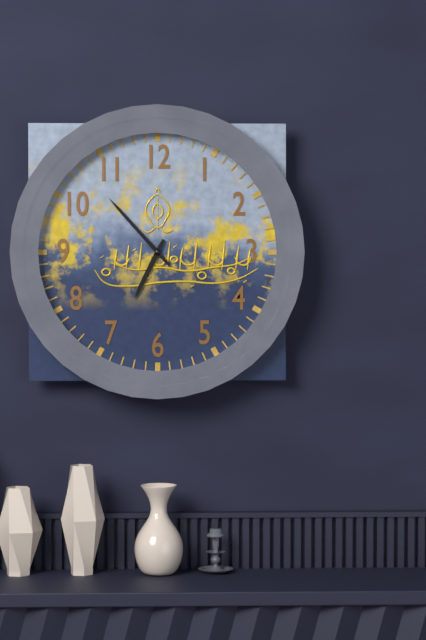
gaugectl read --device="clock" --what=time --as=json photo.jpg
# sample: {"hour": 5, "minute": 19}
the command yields {"hour": 6, "minute": 53}
